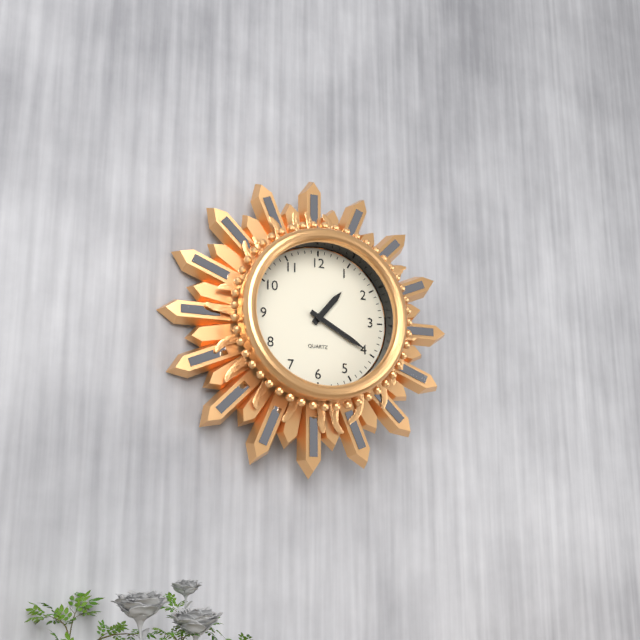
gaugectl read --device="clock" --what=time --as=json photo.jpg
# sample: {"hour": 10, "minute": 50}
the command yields {"hour": 1, "minute": 20}
